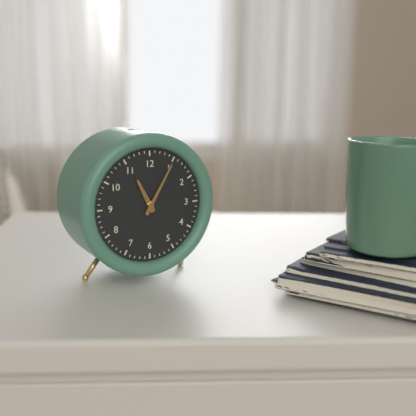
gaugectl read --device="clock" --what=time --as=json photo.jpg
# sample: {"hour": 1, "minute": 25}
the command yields {"hour": 11, "minute": 5}
